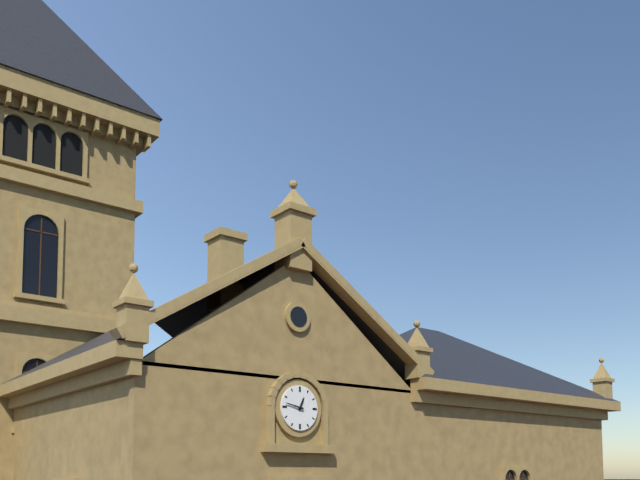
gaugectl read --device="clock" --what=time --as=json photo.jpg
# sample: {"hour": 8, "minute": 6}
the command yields {"hour": 12, "minute": 47}
